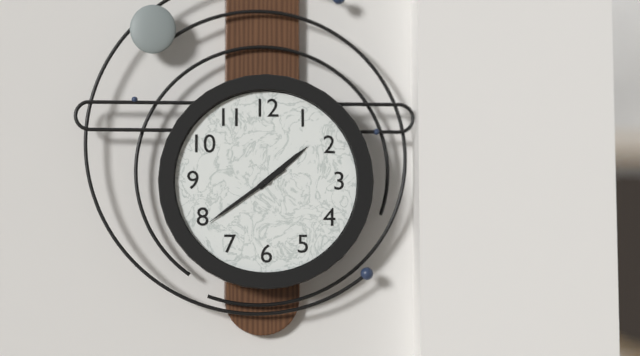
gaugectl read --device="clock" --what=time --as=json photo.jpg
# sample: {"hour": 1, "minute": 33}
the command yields {"hour": 1, "minute": 39}
